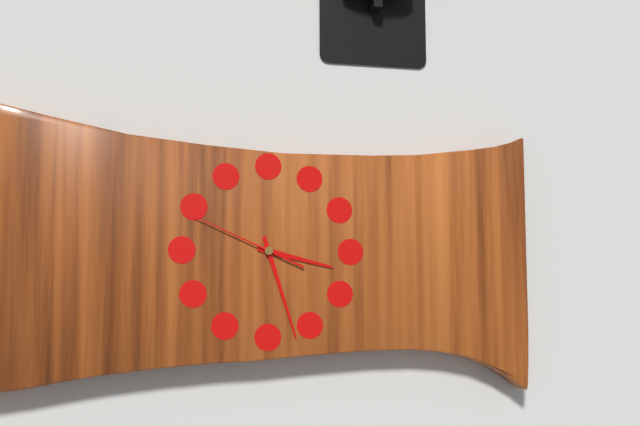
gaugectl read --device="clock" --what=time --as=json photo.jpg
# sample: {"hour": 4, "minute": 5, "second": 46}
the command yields {"hour": 3, "minute": 27, "second": 49}
